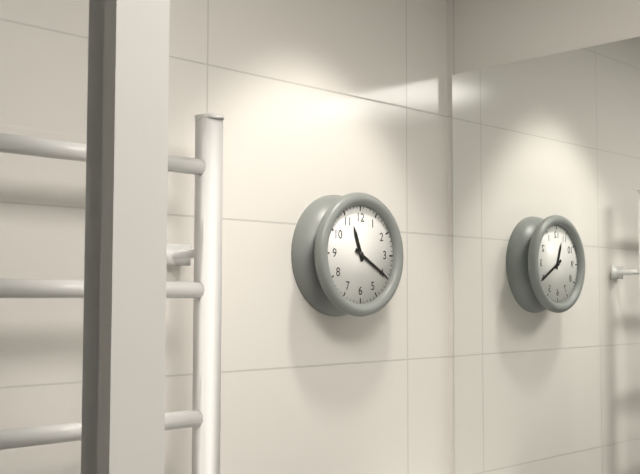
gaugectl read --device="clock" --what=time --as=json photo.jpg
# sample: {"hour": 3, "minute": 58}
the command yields {"hour": 11, "minute": 20}
